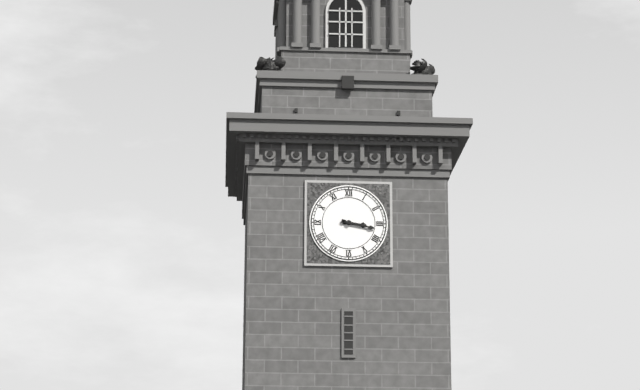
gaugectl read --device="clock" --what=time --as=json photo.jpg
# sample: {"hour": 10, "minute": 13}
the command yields {"hour": 3, "minute": 17}
